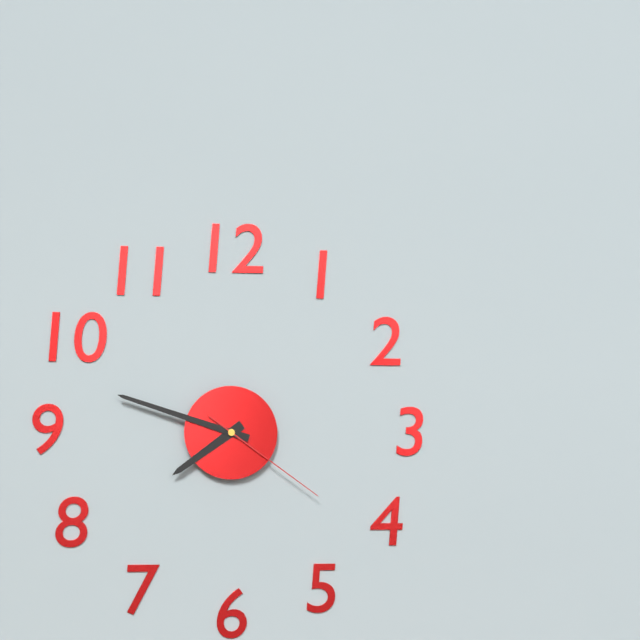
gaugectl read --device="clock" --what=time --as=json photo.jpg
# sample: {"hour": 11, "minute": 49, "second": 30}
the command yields {"hour": 7, "minute": 48, "second": 21}
